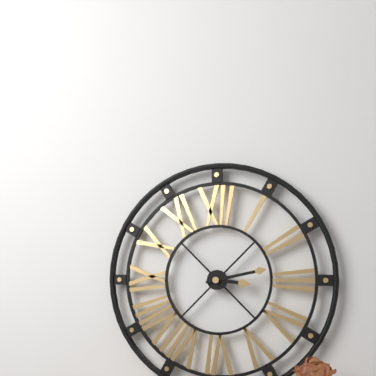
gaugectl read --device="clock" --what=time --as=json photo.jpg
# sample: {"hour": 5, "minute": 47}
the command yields {"hour": 3, "minute": 13}
